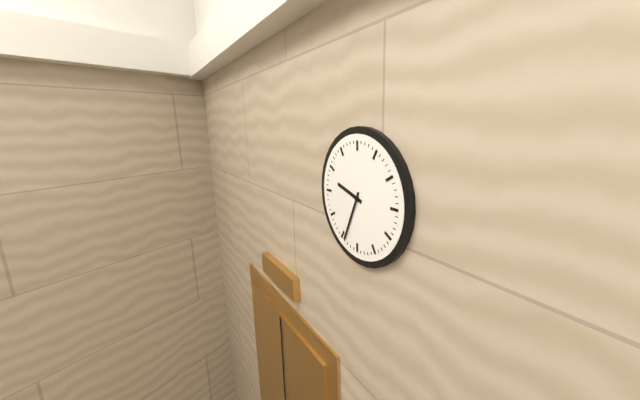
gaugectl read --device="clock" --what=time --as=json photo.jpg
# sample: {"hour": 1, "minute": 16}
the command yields {"hour": 9, "minute": 34}
